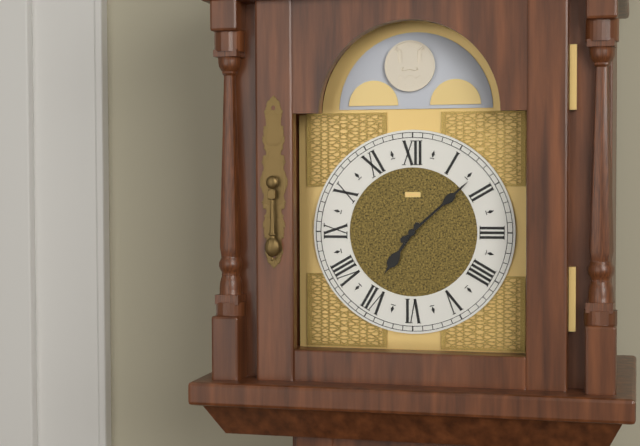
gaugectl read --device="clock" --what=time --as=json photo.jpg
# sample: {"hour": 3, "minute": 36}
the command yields {"hour": 7, "minute": 8}
